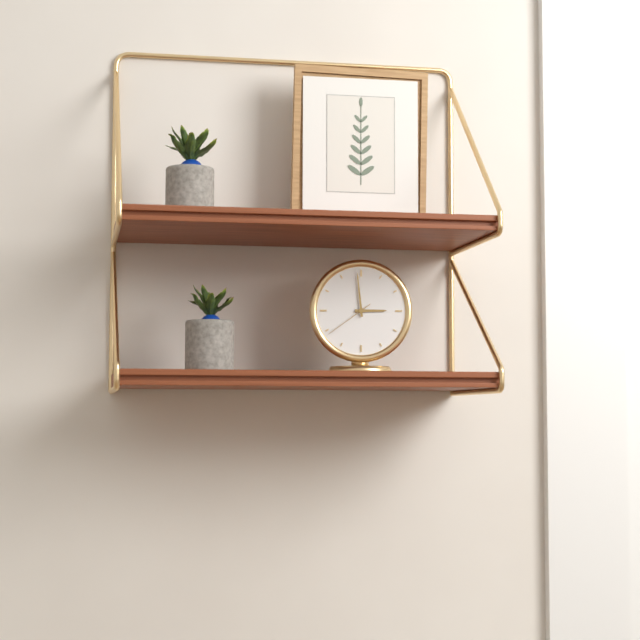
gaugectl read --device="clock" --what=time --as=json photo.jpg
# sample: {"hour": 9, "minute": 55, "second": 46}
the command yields {"hour": 2, "minute": 59, "second": 39}
